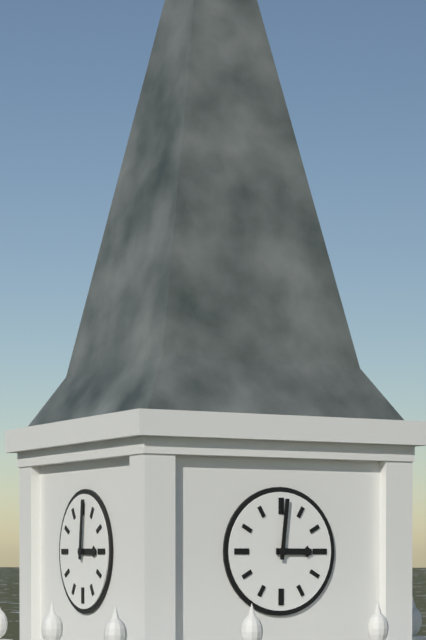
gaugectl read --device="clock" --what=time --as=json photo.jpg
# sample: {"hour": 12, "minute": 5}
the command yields {"hour": 3, "minute": 1}
